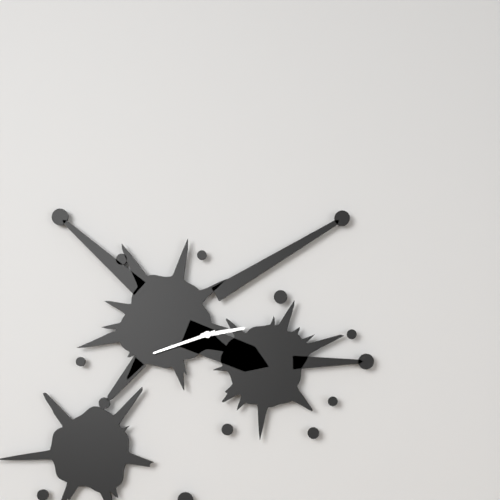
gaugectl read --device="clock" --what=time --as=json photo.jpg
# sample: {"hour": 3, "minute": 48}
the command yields {"hour": 2, "minute": 42}
